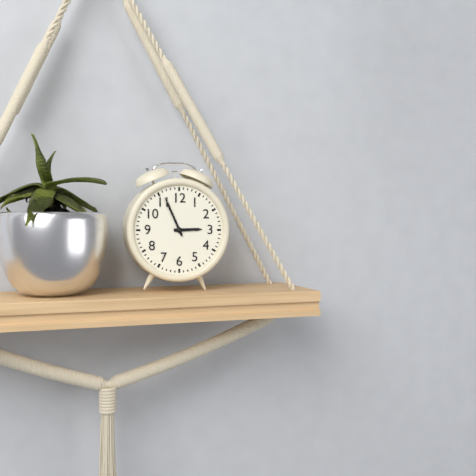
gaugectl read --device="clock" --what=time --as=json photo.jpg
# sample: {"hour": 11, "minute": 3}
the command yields {"hour": 2, "minute": 56}
